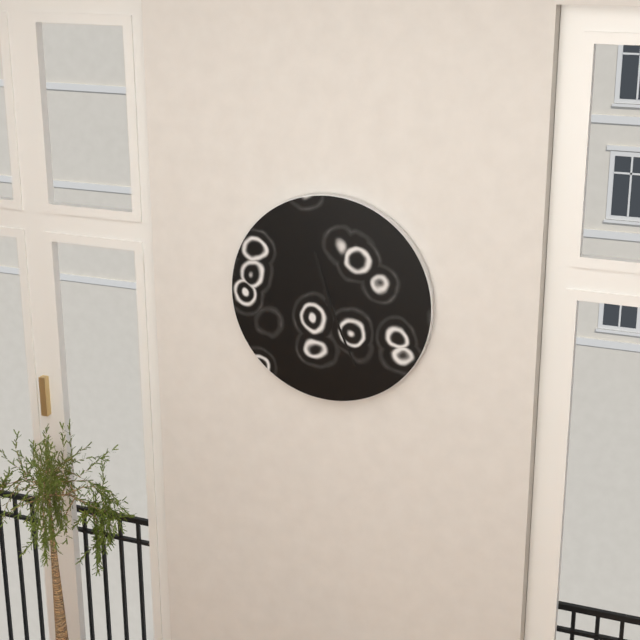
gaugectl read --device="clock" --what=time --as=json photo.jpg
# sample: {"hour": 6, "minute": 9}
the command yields {"hour": 11, "minute": 26}
